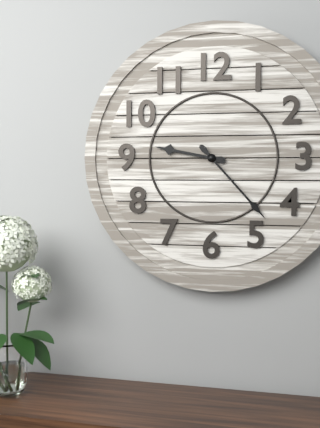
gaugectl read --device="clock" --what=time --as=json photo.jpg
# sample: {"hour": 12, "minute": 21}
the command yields {"hour": 9, "minute": 23}
